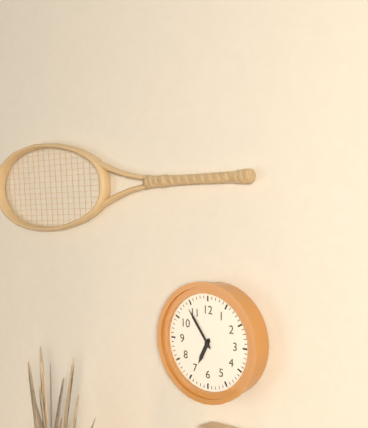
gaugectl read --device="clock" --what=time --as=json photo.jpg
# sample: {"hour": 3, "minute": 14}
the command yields {"hour": 6, "minute": 54}
